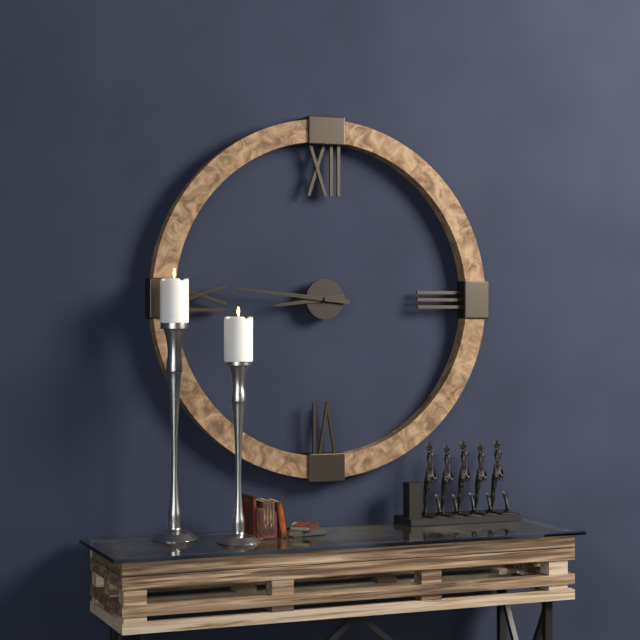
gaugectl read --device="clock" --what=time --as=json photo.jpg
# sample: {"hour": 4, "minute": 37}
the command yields {"hour": 8, "minute": 46}
